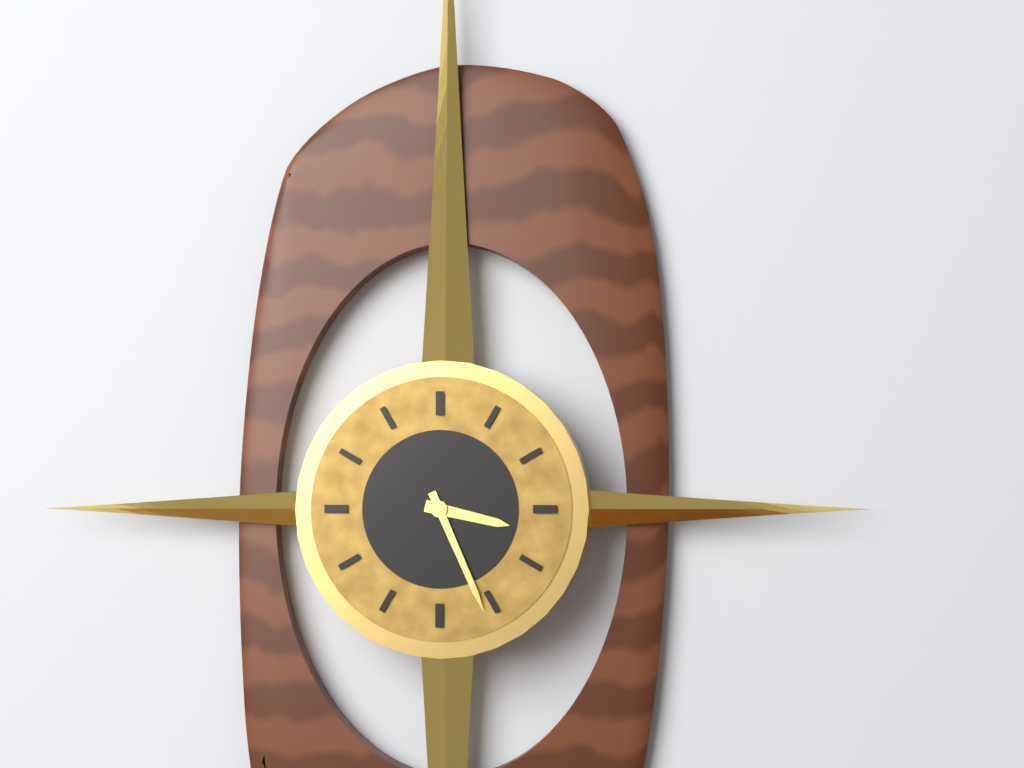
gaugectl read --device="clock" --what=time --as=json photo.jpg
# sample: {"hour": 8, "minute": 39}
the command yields {"hour": 3, "minute": 26}
